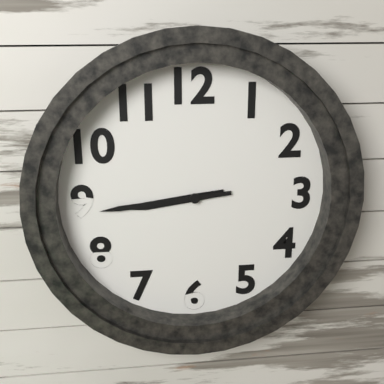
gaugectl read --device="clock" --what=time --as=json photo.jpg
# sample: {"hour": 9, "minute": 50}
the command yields {"hour": 8, "minute": 44}
